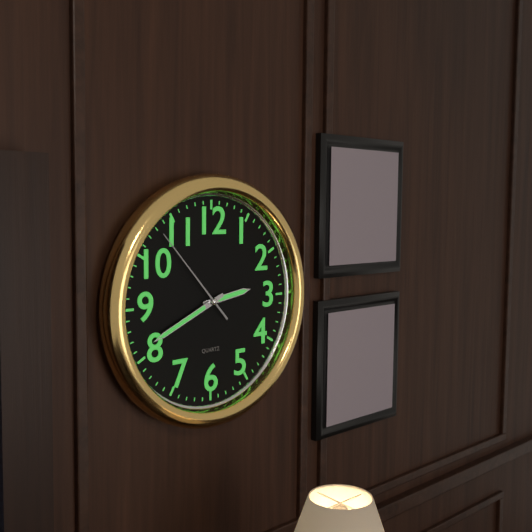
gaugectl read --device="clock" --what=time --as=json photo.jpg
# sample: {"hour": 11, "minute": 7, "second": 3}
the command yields {"hour": 2, "minute": 41, "second": 53}
